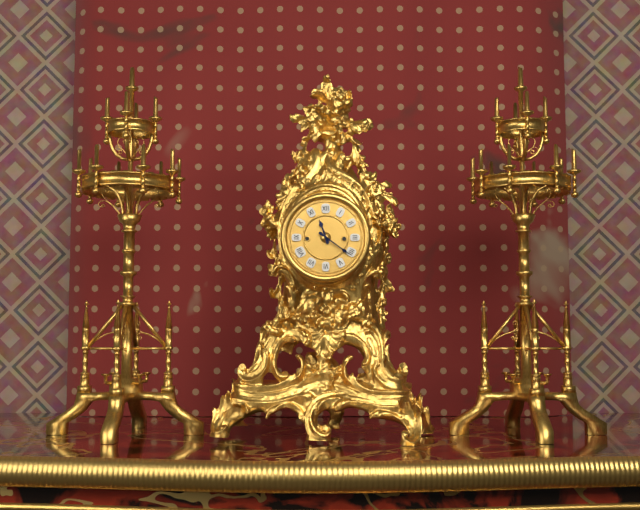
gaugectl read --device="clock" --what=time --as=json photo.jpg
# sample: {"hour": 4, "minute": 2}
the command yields {"hour": 11, "minute": 21}
